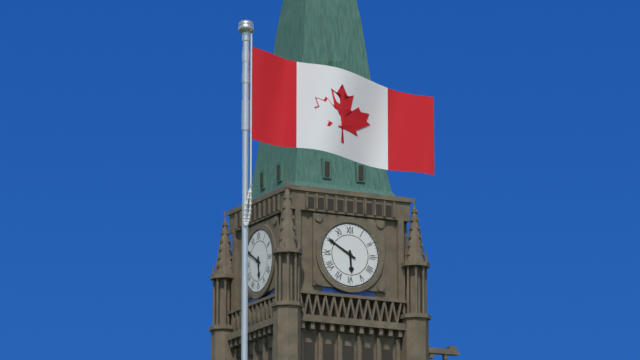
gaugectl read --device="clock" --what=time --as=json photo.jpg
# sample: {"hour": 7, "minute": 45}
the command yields {"hour": 5, "minute": 50}
